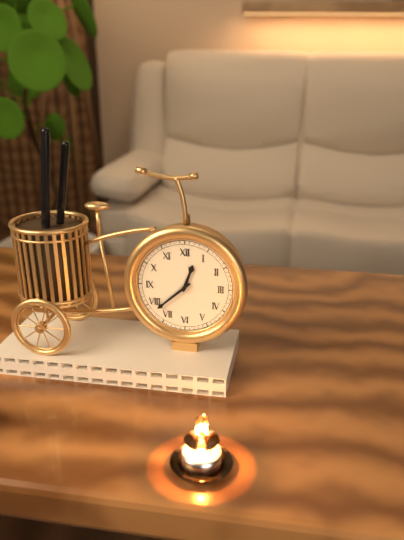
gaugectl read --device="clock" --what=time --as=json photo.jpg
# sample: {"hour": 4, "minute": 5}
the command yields {"hour": 12, "minute": 38}
